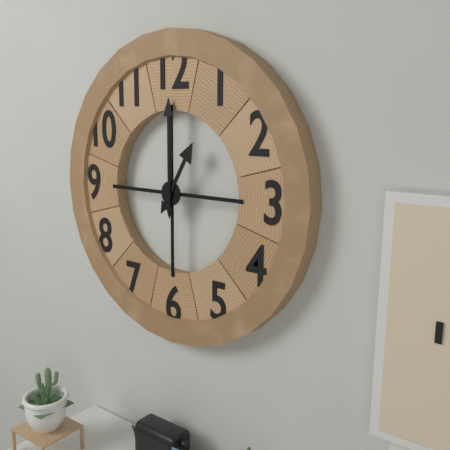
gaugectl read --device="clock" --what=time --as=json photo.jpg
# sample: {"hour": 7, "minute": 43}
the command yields {"hour": 1, "minute": 0}
